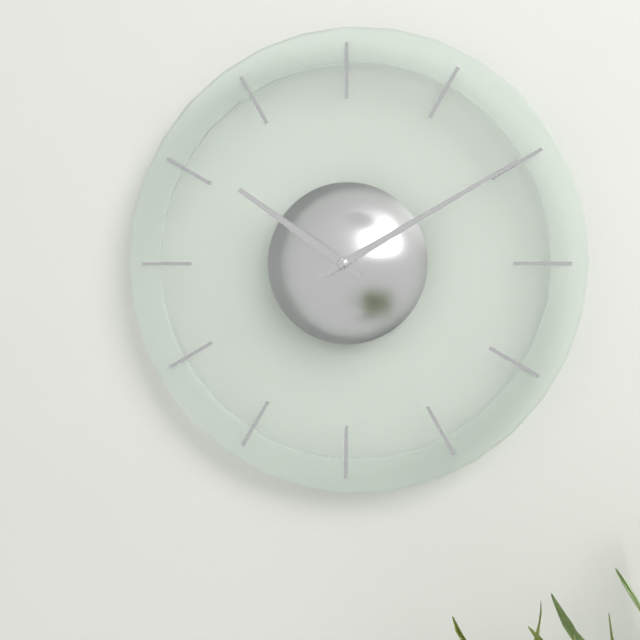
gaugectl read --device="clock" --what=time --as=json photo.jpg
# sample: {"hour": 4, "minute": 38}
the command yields {"hour": 10, "minute": 10}
